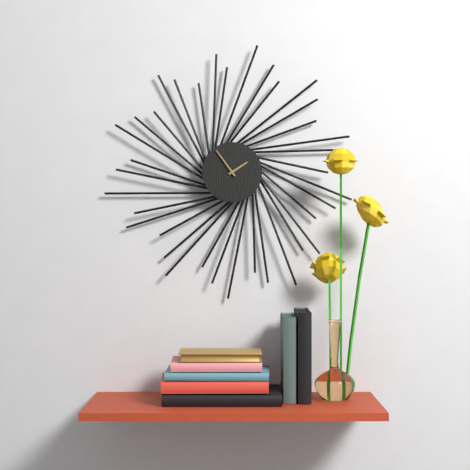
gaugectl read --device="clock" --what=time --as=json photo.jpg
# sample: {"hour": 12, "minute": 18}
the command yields {"hour": 1, "minute": 54}
